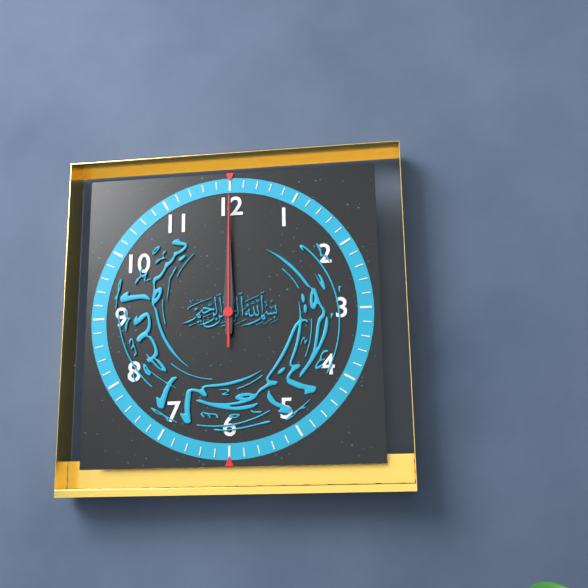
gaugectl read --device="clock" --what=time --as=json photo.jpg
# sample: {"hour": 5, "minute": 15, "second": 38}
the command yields {"hour": 12, "minute": 0, "second": 0}
